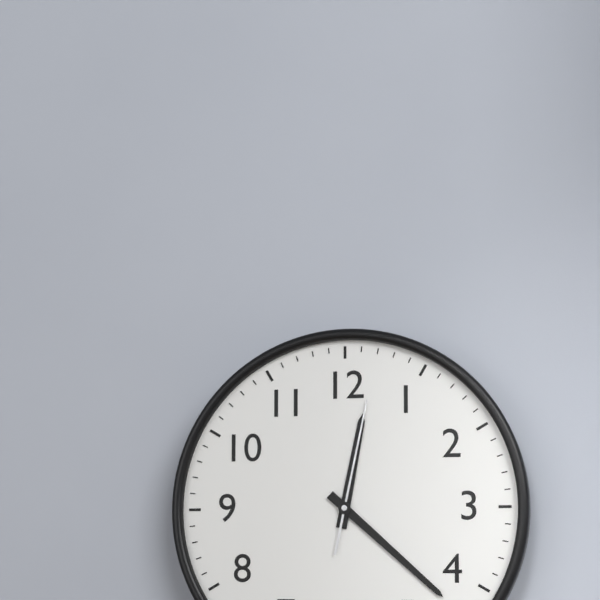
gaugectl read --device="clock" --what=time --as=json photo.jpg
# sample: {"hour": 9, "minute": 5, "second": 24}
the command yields {"hour": 12, "minute": 22, "second": 2}
